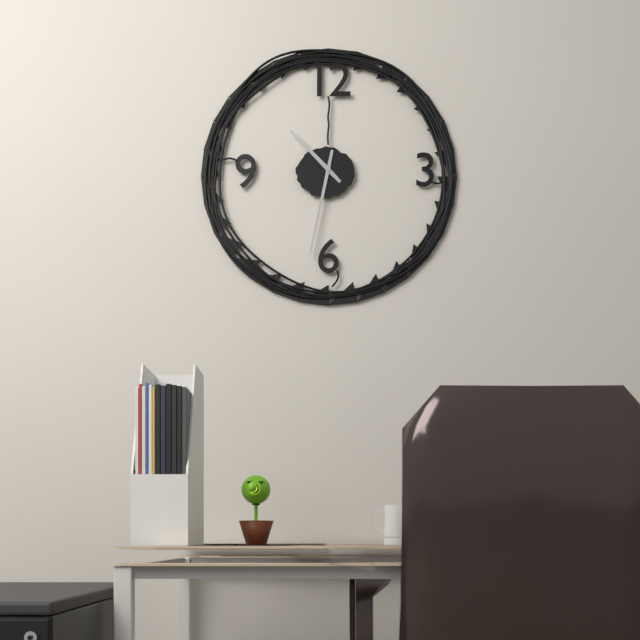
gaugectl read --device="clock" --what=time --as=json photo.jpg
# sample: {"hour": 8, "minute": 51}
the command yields {"hour": 10, "minute": 32}
